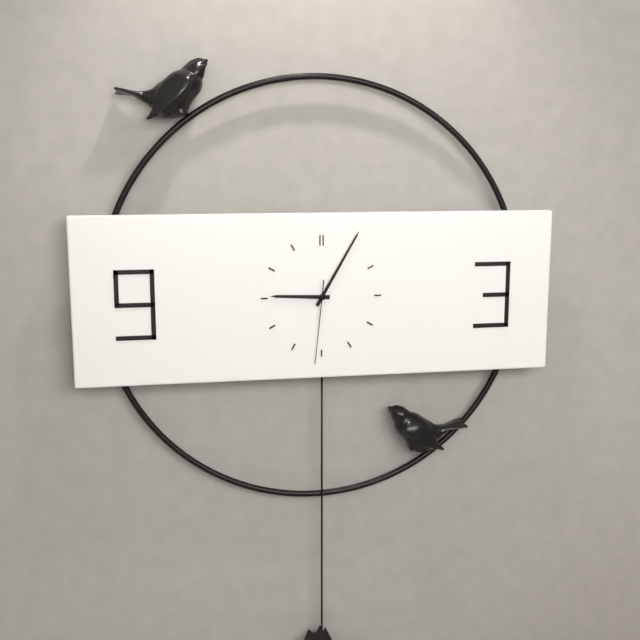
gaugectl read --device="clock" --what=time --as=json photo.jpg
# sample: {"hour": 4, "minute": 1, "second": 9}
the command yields {"hour": 9, "minute": 5, "second": 31}
